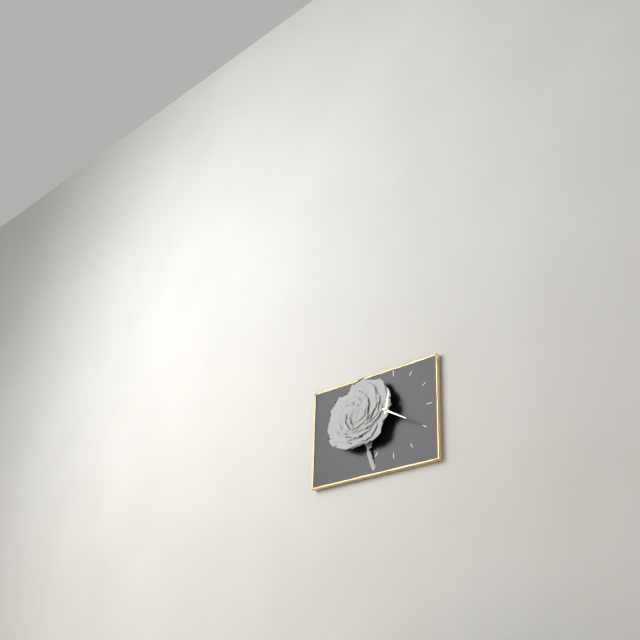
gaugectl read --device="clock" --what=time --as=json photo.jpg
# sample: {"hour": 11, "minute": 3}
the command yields {"hour": 12, "minute": 20}
